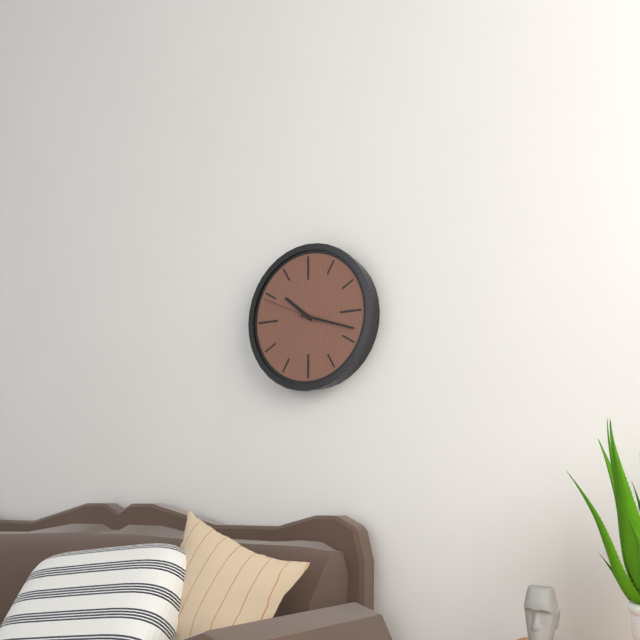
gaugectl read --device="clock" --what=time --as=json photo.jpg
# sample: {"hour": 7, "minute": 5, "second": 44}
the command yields {"hour": 10, "minute": 18, "second": 49}
